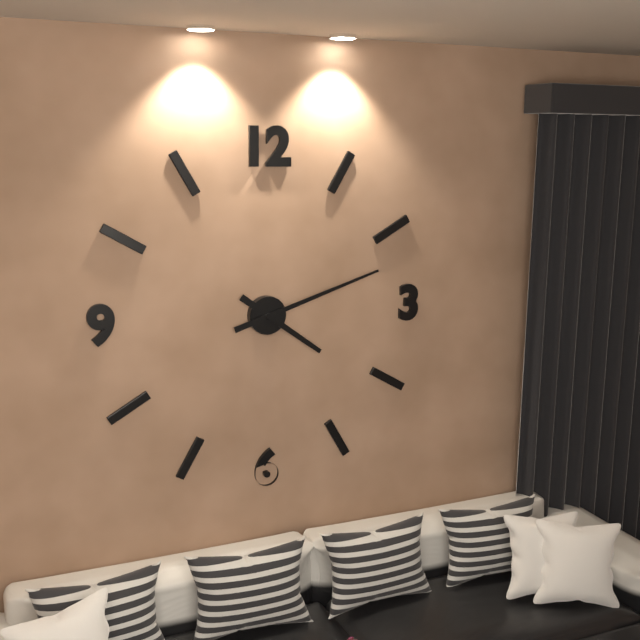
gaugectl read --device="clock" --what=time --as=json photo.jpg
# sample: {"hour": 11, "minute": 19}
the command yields {"hour": 4, "minute": 12}
